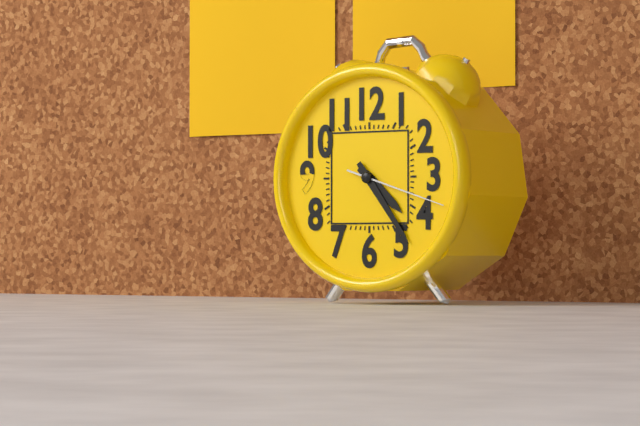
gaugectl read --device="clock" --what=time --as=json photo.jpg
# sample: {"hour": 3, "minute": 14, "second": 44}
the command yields {"hour": 4, "minute": 24, "second": 18}
